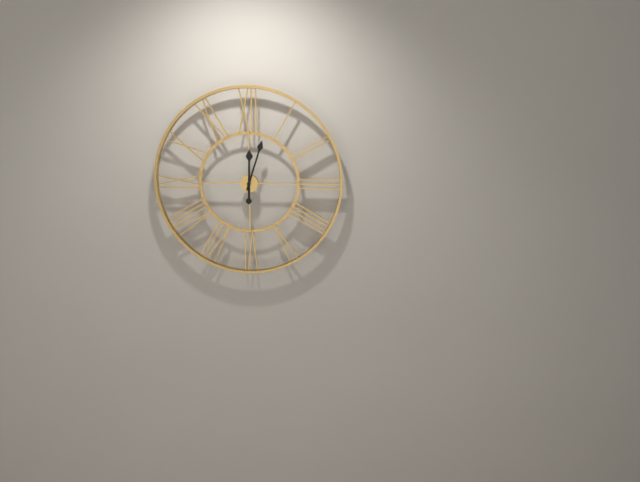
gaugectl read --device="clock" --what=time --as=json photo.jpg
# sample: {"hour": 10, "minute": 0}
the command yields {"hour": 12, "minute": 3}
